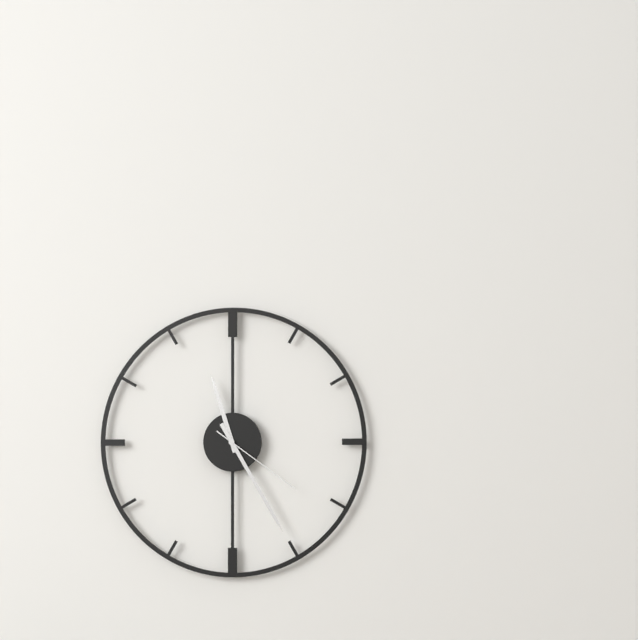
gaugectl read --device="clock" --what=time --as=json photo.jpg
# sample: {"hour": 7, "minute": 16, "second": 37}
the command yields {"hour": 11, "minute": 25, "second": 21}
